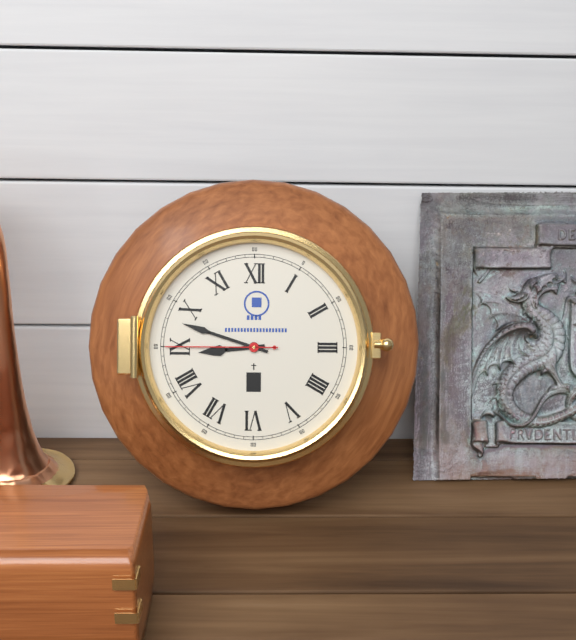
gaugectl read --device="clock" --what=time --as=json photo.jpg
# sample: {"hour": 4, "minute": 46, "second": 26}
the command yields {"hour": 8, "minute": 48, "second": 45}
